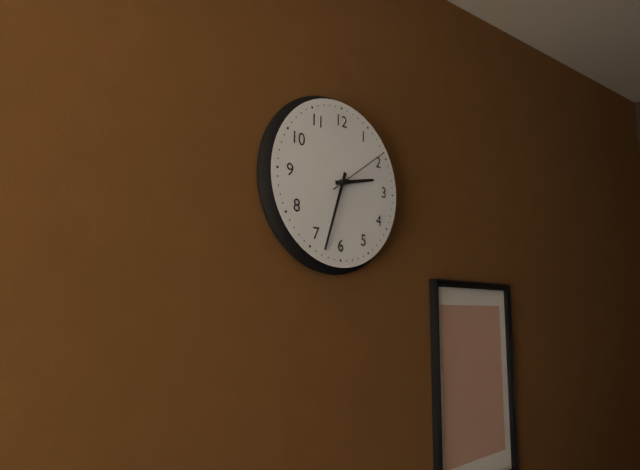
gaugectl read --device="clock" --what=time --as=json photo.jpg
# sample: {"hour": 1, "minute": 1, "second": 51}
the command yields {"hour": 2, "minute": 33, "second": 9}
